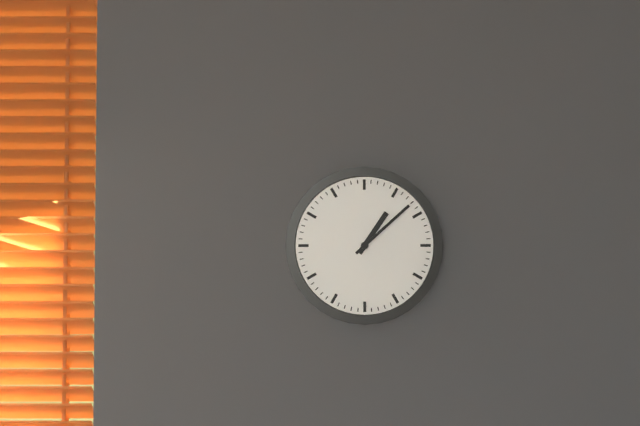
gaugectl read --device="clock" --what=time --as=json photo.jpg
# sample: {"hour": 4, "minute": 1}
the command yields {"hour": 1, "minute": 8}
